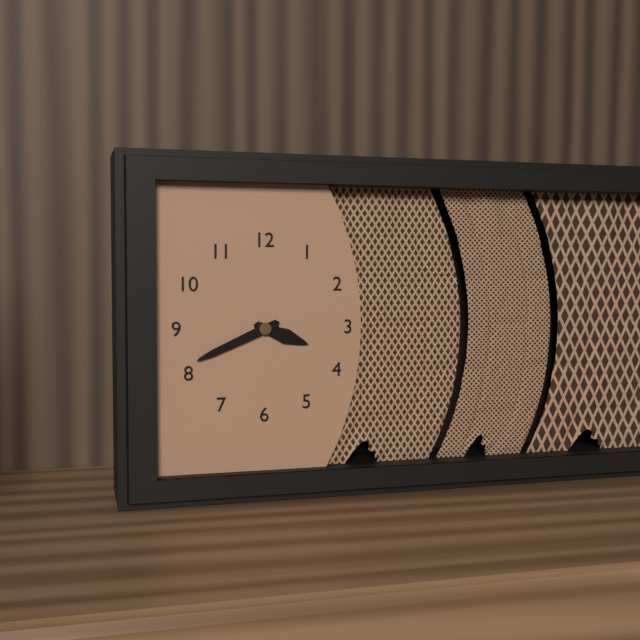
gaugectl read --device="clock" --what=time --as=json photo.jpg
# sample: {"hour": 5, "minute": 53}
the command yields {"hour": 3, "minute": 41}
